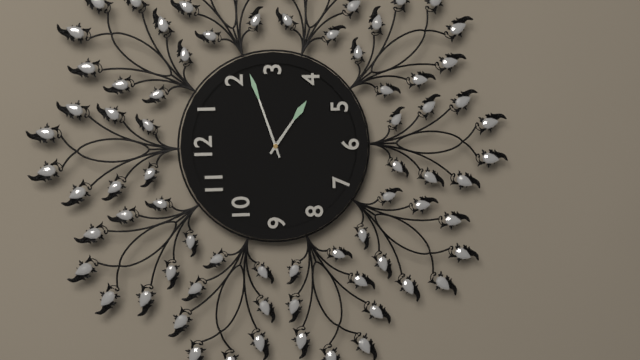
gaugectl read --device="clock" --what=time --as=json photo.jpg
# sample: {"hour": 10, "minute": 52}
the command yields {"hour": 4, "minute": 12}
